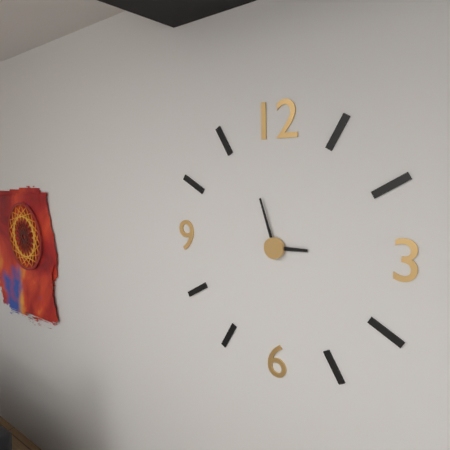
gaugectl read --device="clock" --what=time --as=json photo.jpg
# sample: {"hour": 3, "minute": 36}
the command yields {"hour": 2, "minute": 57}
